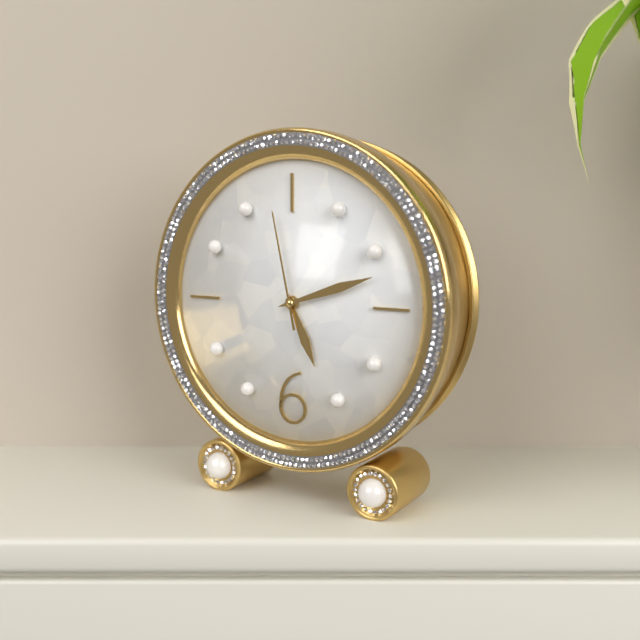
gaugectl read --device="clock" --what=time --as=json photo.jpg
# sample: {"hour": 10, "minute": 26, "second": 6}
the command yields {"hour": 5, "minute": 12, "second": 58}
